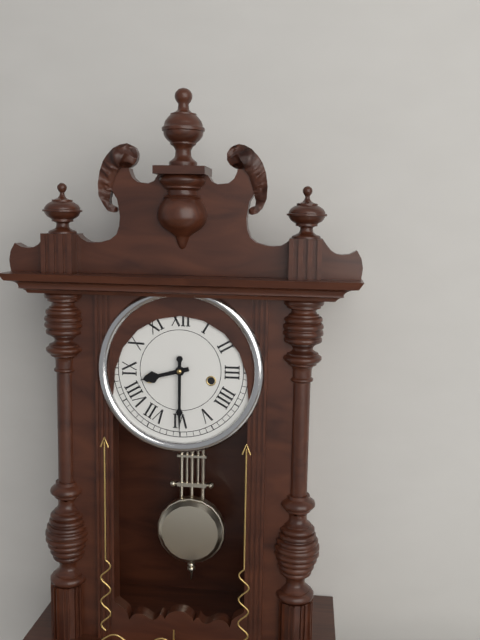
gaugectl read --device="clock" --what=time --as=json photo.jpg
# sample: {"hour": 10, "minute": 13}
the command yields {"hour": 8, "minute": 30}
